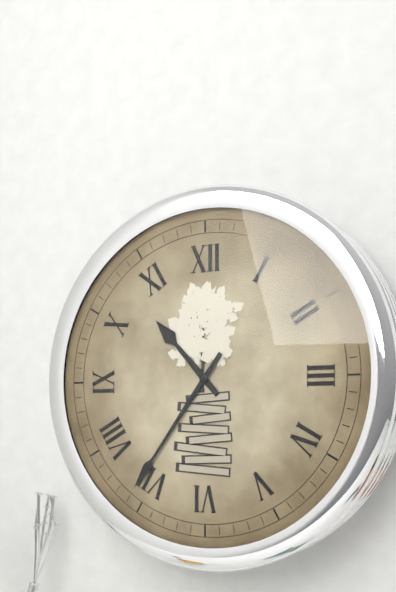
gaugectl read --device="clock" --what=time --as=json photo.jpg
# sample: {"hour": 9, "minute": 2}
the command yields {"hour": 10, "minute": 36}
